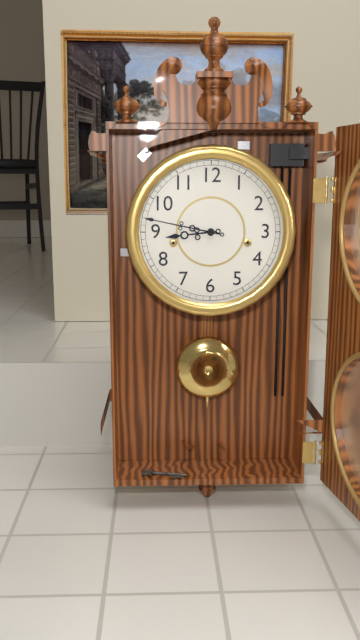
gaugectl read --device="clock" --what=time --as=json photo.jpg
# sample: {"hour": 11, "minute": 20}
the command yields {"hour": 8, "minute": 47}
